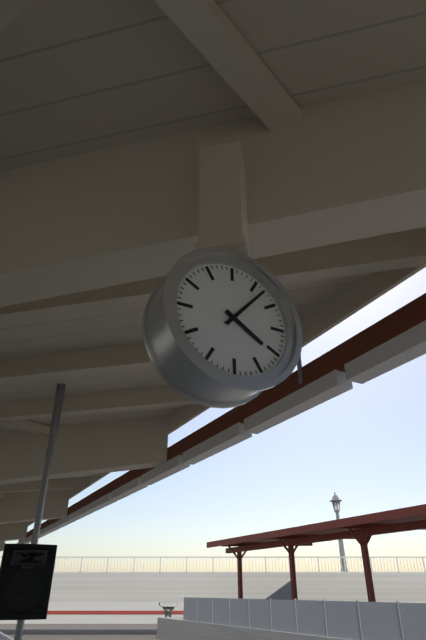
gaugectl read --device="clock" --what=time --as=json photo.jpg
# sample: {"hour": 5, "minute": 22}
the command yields {"hour": 4, "minute": 7}
